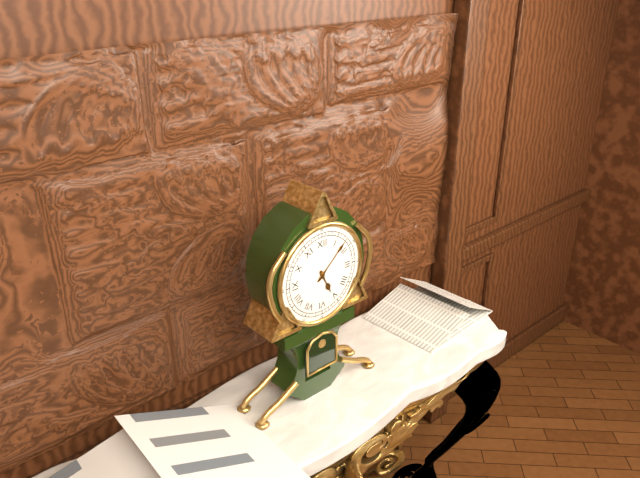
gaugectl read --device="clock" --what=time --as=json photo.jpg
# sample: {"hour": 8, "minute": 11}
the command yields {"hour": 5, "minute": 8}
